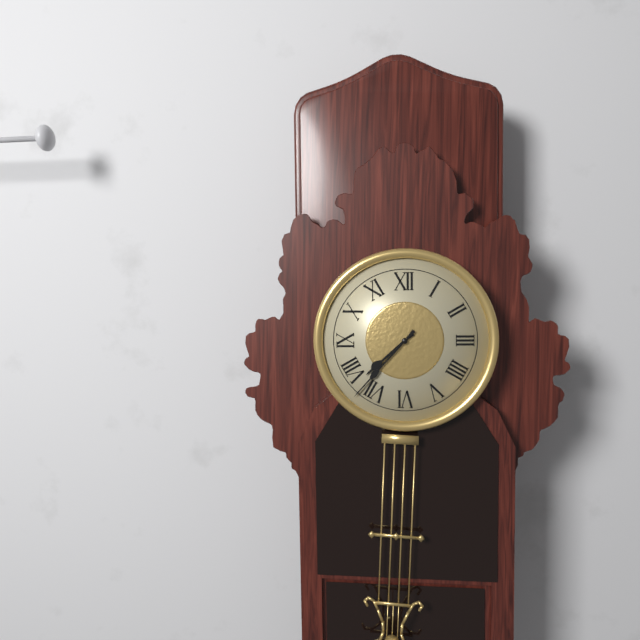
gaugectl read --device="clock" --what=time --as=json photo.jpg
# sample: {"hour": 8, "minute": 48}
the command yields {"hour": 7, "minute": 37}
